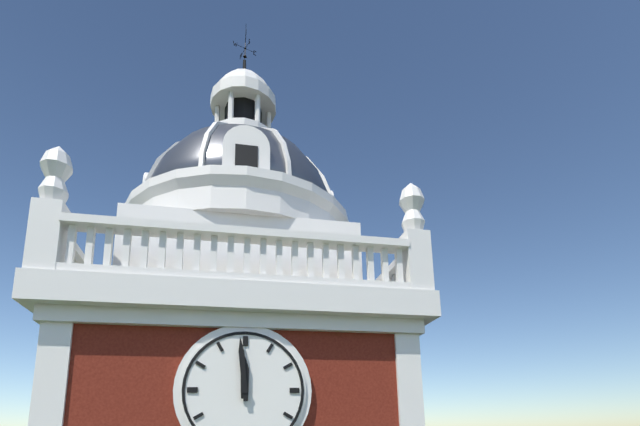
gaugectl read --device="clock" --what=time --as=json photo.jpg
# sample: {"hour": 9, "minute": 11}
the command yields {"hour": 11, "minute": 59}
